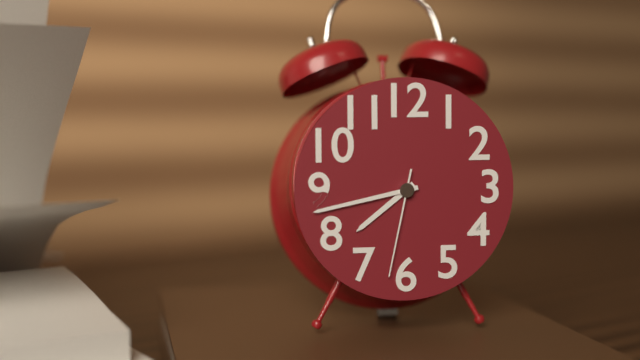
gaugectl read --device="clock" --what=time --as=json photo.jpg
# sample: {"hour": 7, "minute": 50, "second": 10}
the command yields {"hour": 7, "minute": 43, "second": 32}
